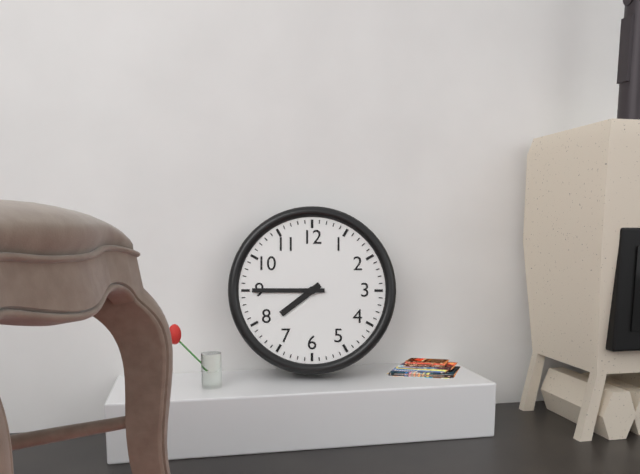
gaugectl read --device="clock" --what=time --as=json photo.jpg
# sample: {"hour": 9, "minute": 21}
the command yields {"hour": 7, "minute": 45}
